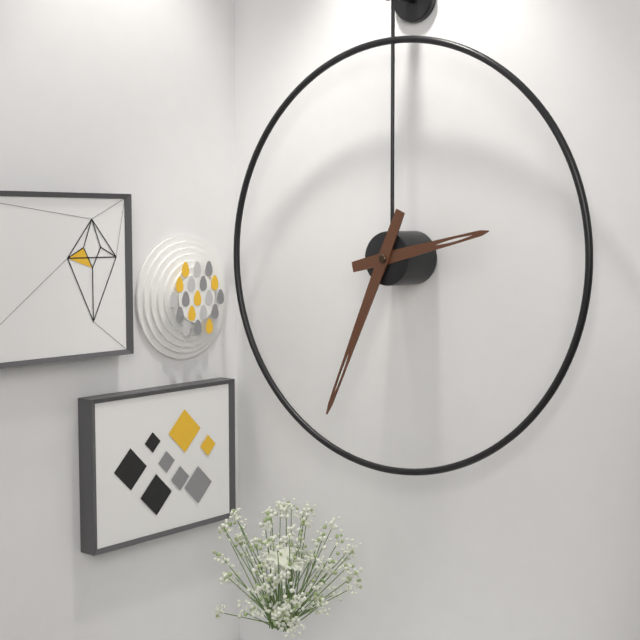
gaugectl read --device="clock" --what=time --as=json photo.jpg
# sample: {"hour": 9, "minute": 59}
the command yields {"hour": 2, "minute": 34}
